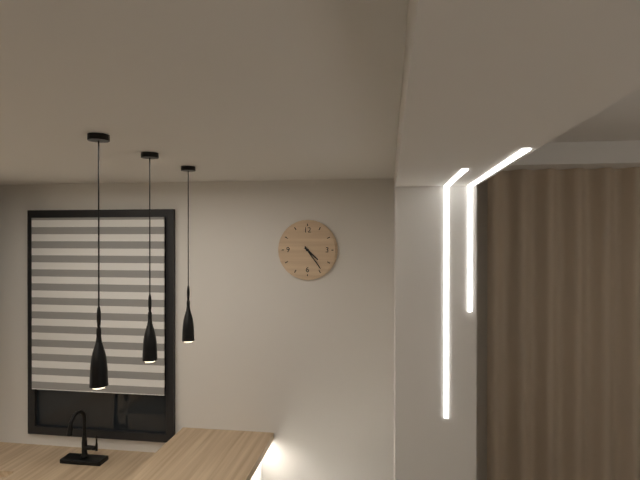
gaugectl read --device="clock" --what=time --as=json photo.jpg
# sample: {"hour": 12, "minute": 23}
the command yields {"hour": 4, "minute": 24}
